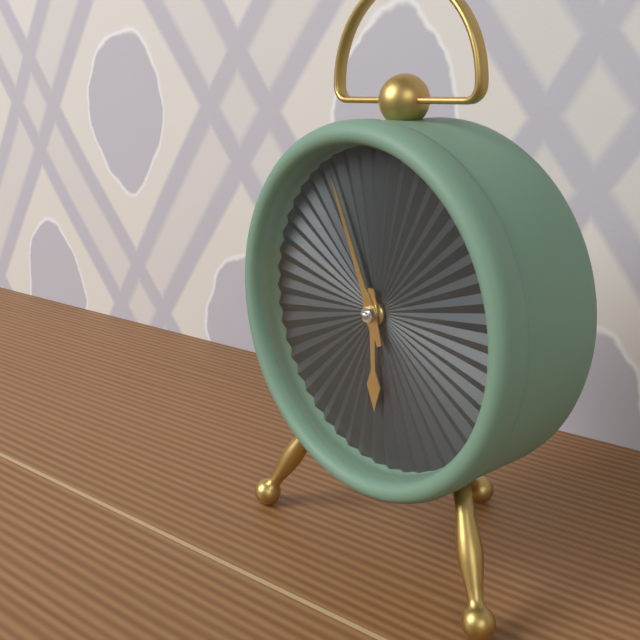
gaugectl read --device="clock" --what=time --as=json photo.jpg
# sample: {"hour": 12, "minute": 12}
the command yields {"hour": 5, "minute": 56}
